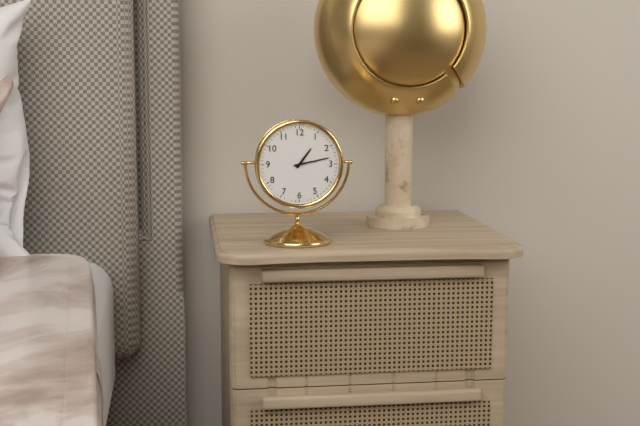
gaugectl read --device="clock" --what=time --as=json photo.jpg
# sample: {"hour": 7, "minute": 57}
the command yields {"hour": 1, "minute": 13}
